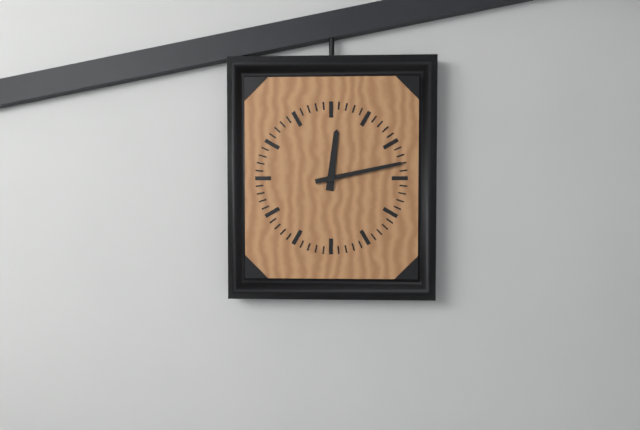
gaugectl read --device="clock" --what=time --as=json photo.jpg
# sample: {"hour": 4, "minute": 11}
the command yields {"hour": 12, "minute": 13}
